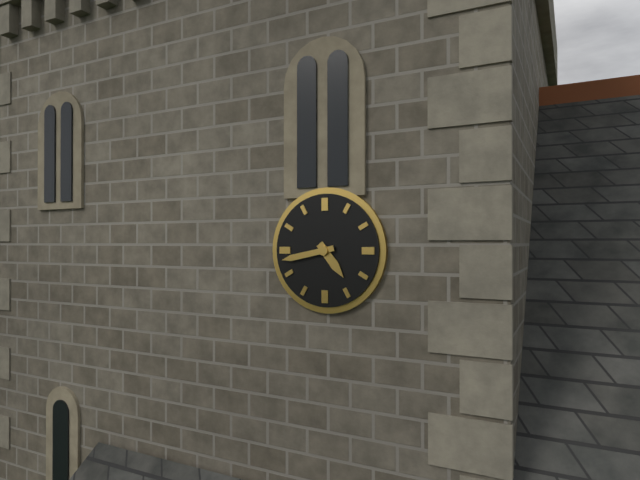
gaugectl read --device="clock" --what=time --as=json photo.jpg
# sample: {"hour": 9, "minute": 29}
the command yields {"hour": 4, "minute": 43}
